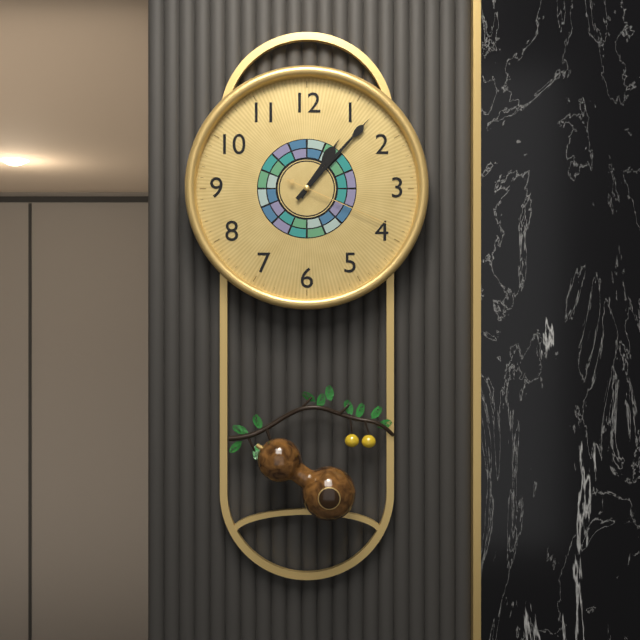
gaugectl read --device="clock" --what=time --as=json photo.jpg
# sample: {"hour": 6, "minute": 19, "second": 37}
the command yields {"hour": 1, "minute": 7, "second": 19}
